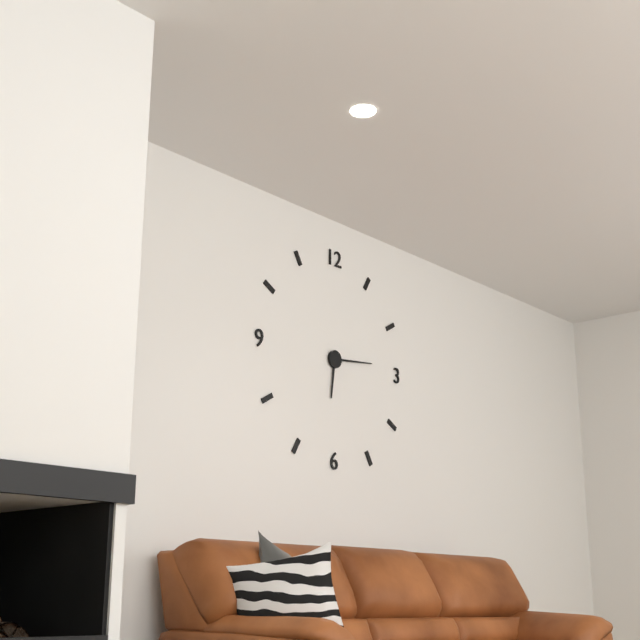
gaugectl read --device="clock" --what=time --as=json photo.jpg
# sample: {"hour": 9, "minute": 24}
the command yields {"hour": 6, "minute": 14}
